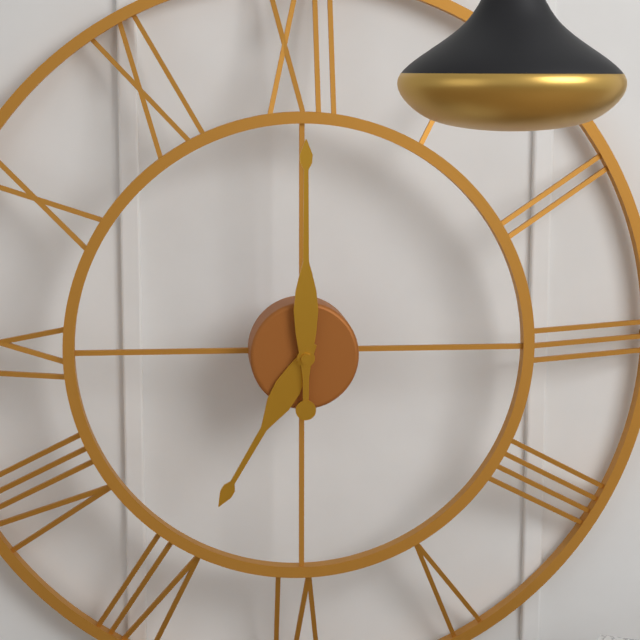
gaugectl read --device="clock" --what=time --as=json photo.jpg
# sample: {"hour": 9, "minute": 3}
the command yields {"hour": 7, "minute": 0}
